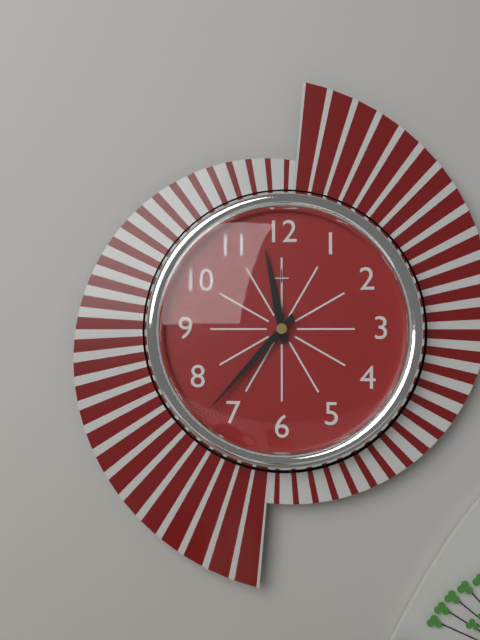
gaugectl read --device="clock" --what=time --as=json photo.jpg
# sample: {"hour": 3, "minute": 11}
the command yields {"hour": 11, "minute": 37}
